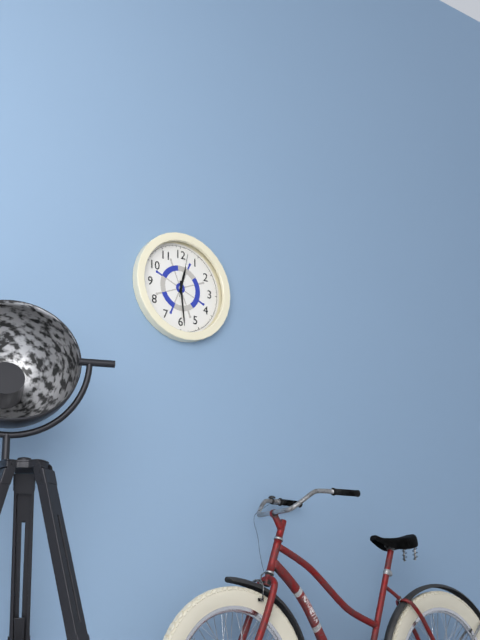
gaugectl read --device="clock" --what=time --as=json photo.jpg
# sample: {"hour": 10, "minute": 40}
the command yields {"hour": 12, "minute": 29}
